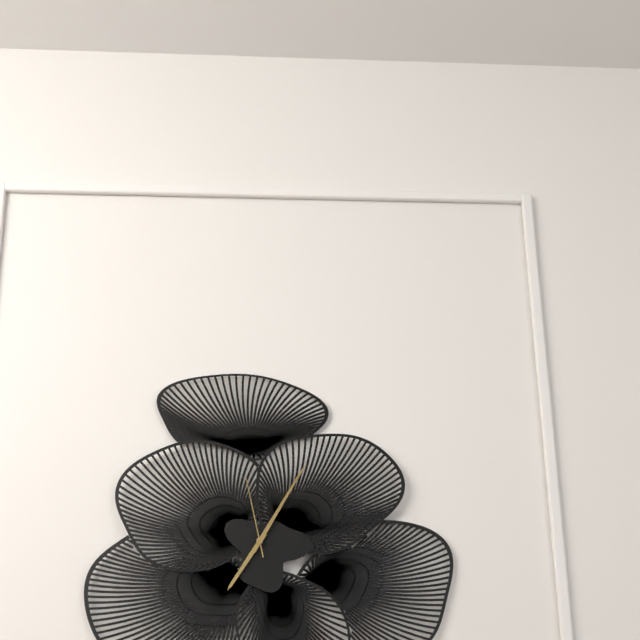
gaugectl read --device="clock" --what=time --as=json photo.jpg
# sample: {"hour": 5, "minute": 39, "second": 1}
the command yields {"hour": 7, "minute": 5, "second": 58}
